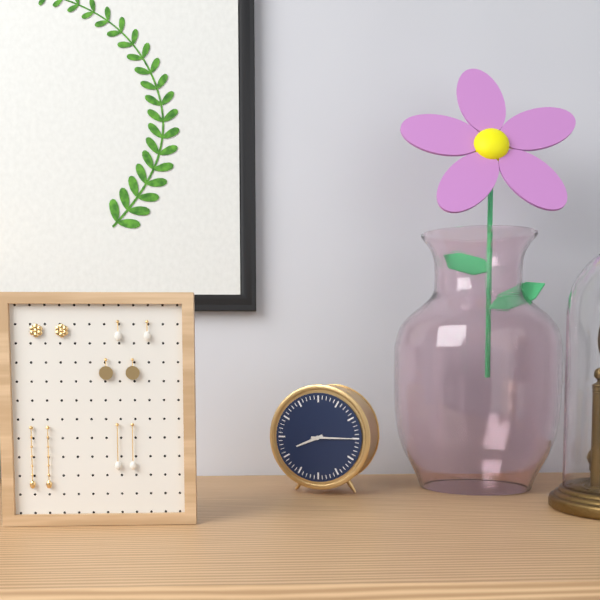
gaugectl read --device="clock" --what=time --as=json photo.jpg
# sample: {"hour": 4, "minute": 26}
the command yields {"hour": 8, "minute": 15}
